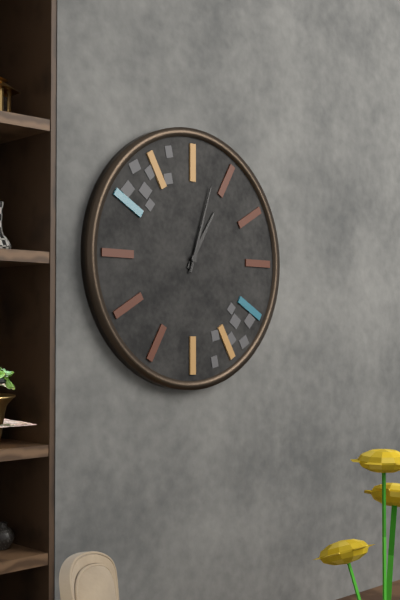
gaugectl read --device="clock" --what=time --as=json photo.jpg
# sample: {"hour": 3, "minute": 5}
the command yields {"hour": 1, "minute": 3}
